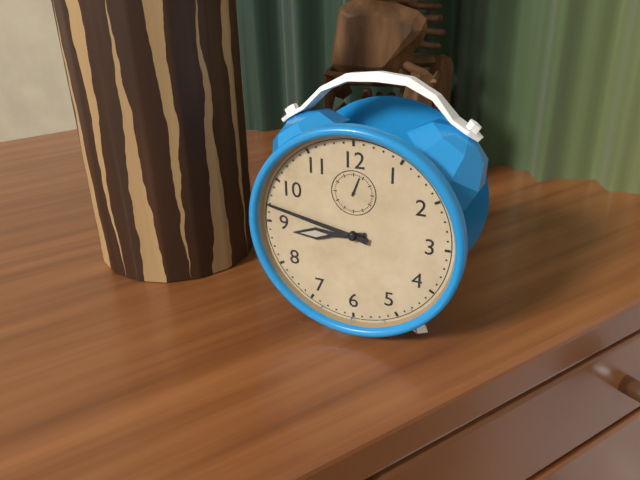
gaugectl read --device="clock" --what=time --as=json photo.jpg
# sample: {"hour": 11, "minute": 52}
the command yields {"hour": 8, "minute": 47}
